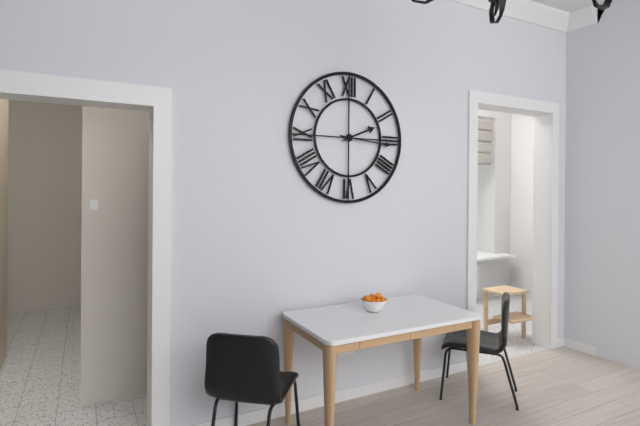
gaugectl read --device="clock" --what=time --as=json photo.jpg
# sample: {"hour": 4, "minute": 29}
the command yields {"hour": 2, "minute": 16}
